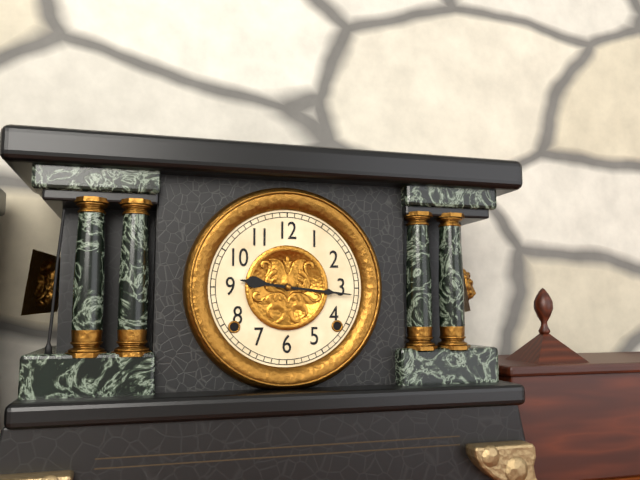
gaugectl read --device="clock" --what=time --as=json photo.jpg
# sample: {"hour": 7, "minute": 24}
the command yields {"hour": 9, "minute": 16}
